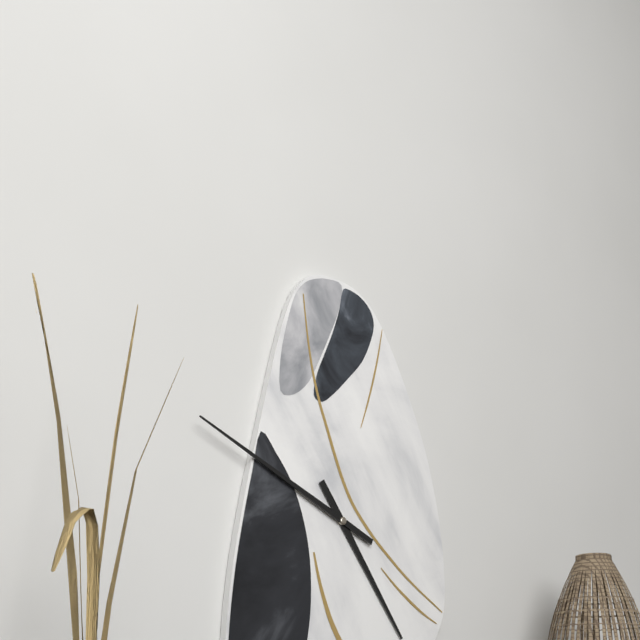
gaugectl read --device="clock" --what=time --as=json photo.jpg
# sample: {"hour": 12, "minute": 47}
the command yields {"hour": 4, "minute": 49}
